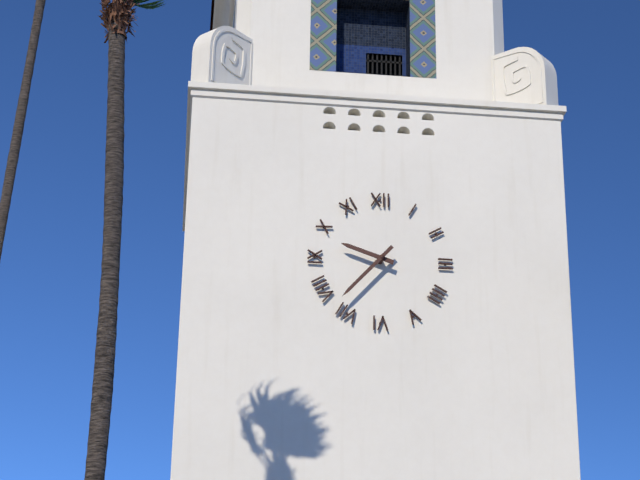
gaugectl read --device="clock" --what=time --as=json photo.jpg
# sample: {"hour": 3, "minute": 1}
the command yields {"hour": 9, "minute": 37}
